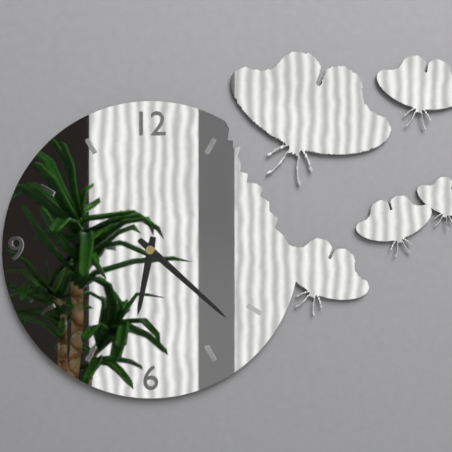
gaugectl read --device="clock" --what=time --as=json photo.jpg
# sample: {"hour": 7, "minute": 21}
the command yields {"hour": 6, "minute": 22}
